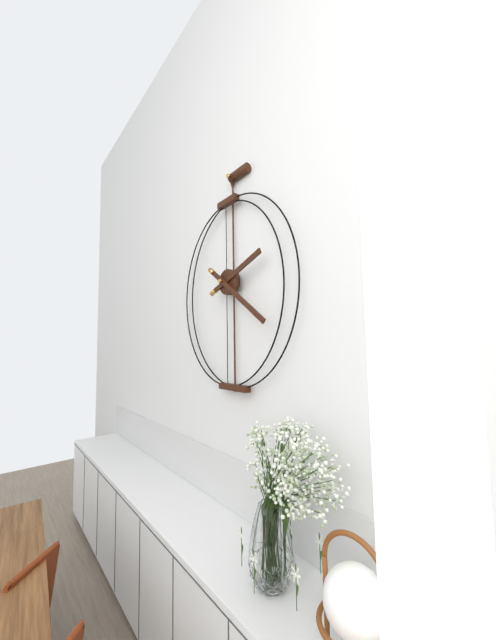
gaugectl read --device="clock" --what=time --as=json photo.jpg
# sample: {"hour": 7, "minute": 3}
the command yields {"hour": 2, "minute": 21}
